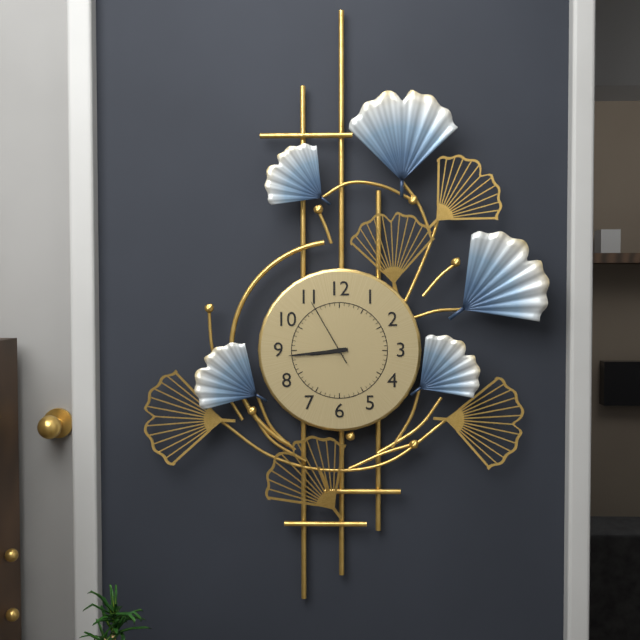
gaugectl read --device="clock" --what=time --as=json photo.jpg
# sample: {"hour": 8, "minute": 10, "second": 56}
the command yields {"hour": 8, "minute": 44, "second": 55}
